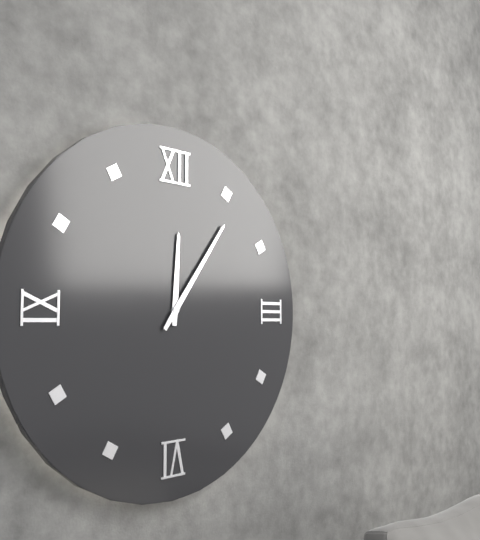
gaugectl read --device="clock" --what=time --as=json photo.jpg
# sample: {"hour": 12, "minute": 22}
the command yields {"hour": 12, "minute": 6}
